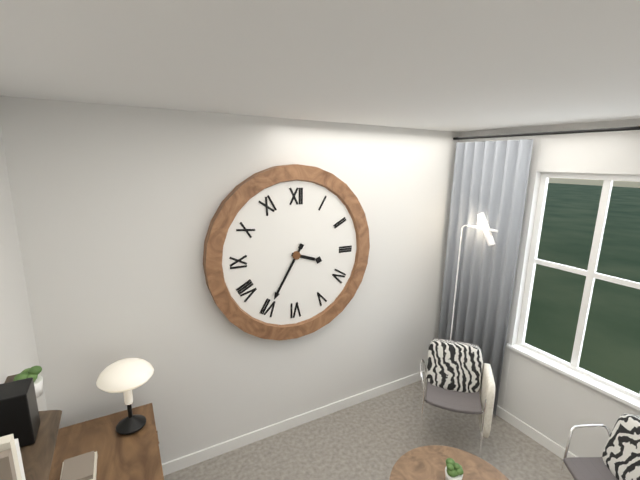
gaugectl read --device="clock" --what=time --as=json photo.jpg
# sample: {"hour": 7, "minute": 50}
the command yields {"hour": 3, "minute": 35}
